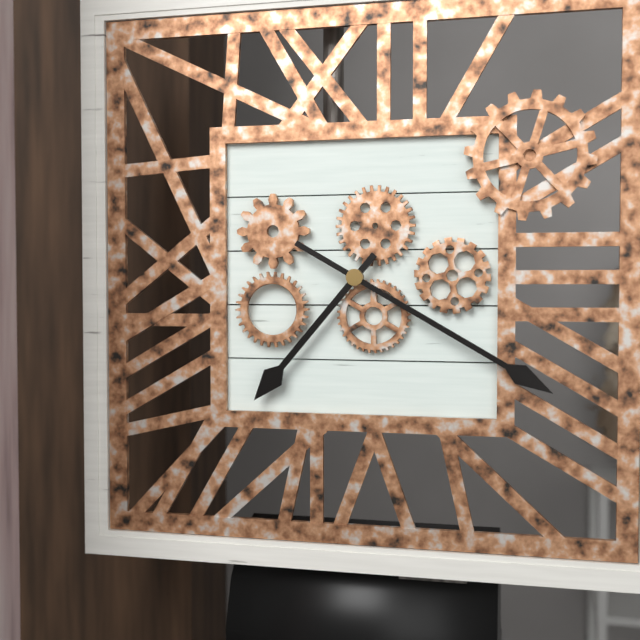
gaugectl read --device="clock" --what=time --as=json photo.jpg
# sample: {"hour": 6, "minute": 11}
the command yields {"hour": 7, "minute": 20}
